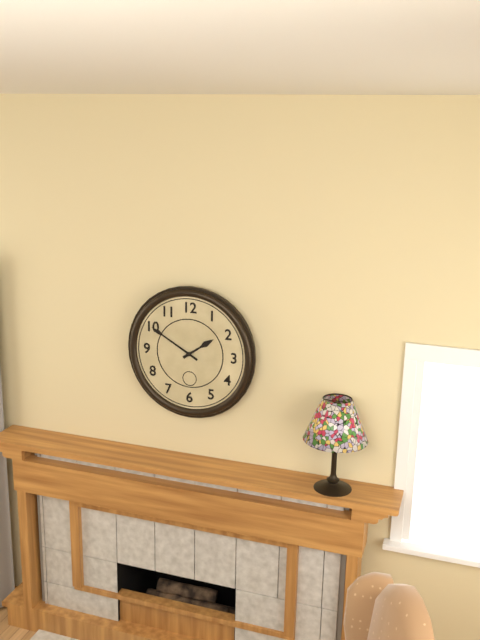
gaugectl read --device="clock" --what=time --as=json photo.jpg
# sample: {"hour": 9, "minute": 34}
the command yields {"hour": 1, "minute": 50}
